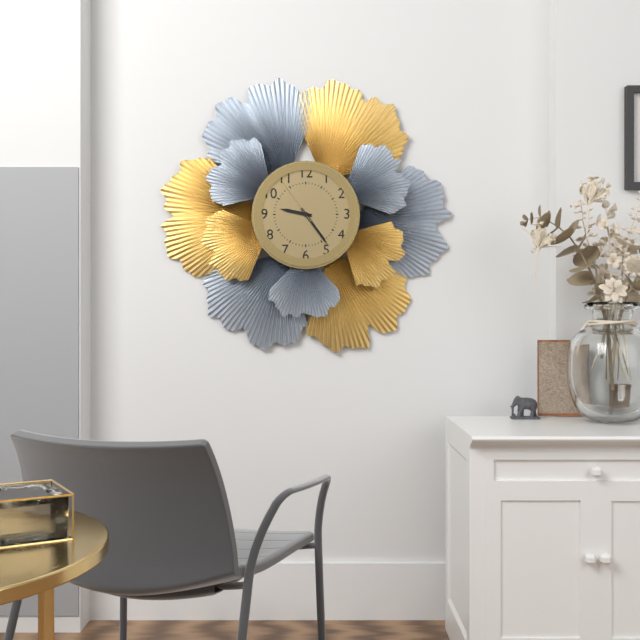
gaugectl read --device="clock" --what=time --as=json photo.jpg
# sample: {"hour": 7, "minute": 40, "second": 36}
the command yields {"hour": 9, "minute": 24, "second": 54}
